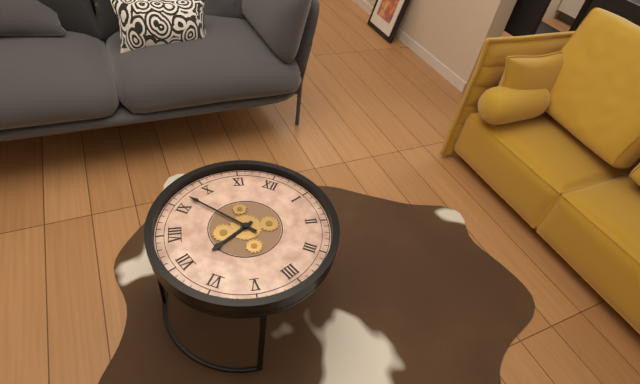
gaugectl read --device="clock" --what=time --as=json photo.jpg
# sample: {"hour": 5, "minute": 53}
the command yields {"hour": 6, "minute": 47}
